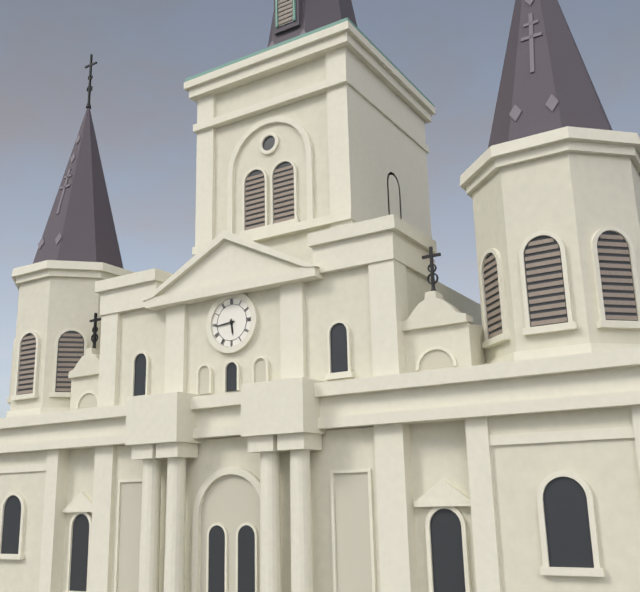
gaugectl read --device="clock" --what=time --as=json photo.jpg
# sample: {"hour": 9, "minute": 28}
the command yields {"hour": 5, "minute": 44}
